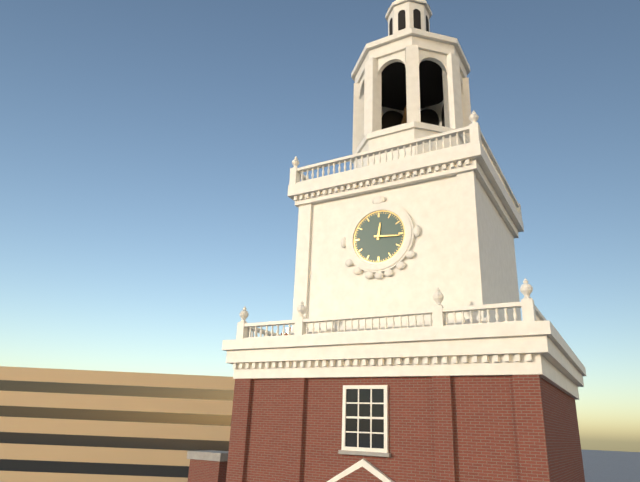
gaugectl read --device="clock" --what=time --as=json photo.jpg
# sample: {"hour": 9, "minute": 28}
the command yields {"hour": 12, "minute": 16}
